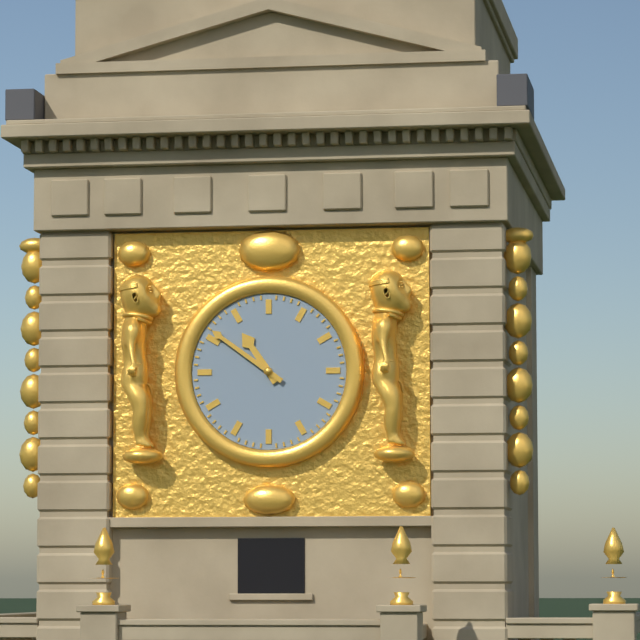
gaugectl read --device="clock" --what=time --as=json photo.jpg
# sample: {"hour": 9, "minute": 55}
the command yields {"hour": 10, "minute": 51}
